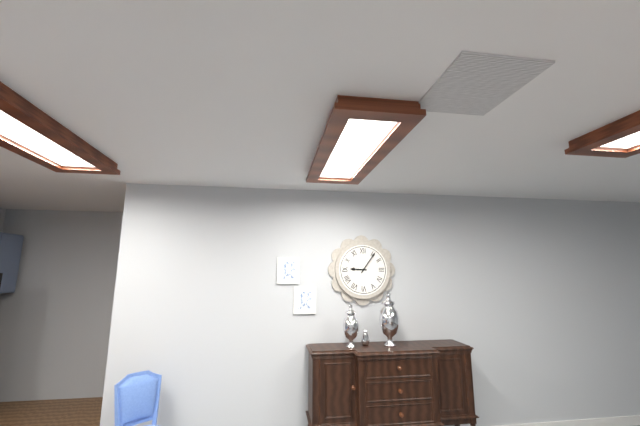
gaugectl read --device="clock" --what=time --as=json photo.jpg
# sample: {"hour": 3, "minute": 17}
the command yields {"hour": 9, "minute": 6}
